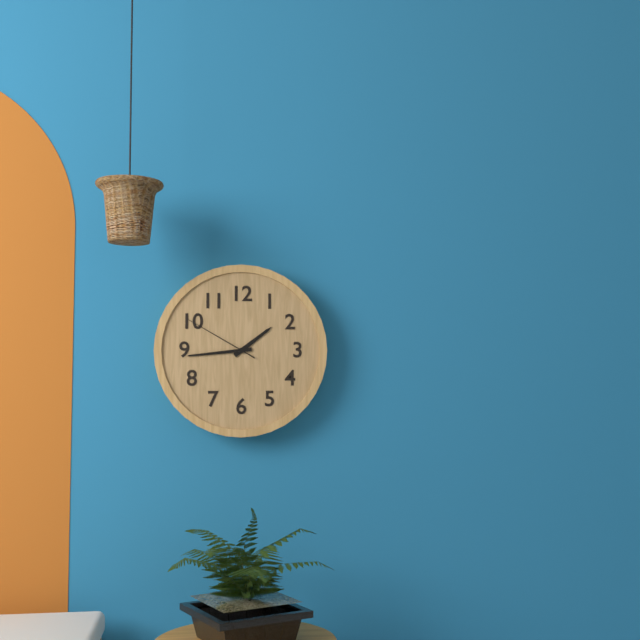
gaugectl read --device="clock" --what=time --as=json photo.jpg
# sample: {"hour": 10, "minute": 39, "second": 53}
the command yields {"hour": 1, "minute": 44, "second": 50}
